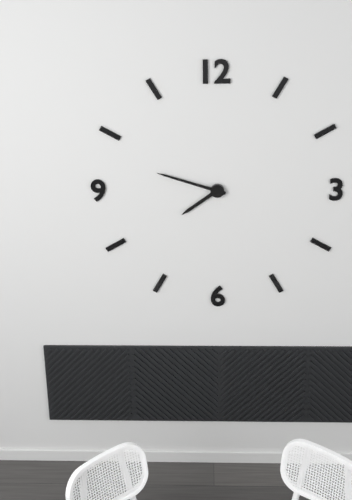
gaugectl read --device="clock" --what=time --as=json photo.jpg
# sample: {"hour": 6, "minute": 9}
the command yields {"hour": 7, "minute": 48}
